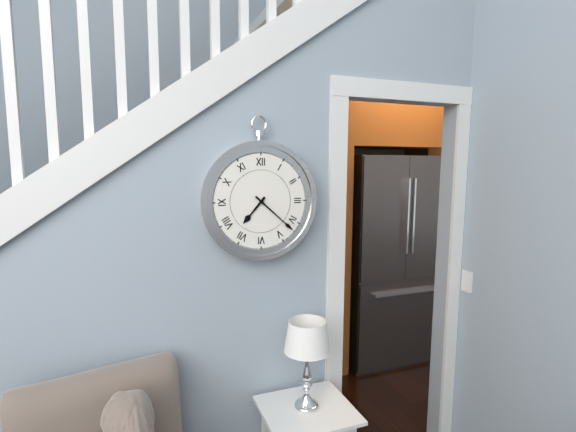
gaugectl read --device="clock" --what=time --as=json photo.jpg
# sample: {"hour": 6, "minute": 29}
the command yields {"hour": 7, "minute": 22}
